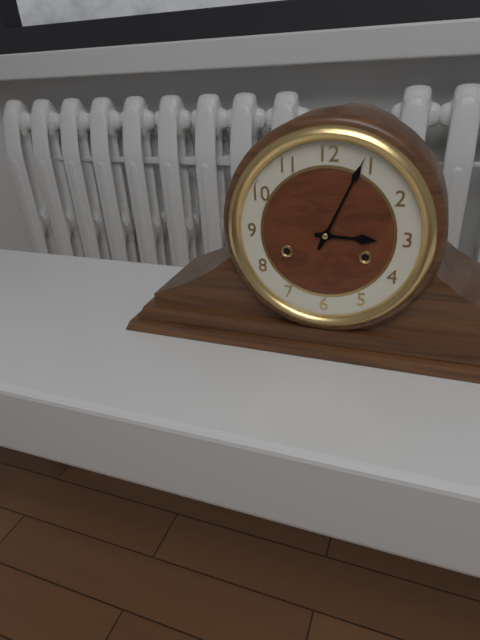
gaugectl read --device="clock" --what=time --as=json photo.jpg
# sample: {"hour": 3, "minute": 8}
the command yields {"hour": 3, "minute": 4}
